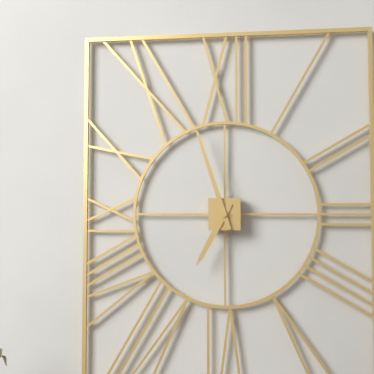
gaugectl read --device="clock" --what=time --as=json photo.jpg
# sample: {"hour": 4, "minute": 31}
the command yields {"hour": 6, "minute": 57}
